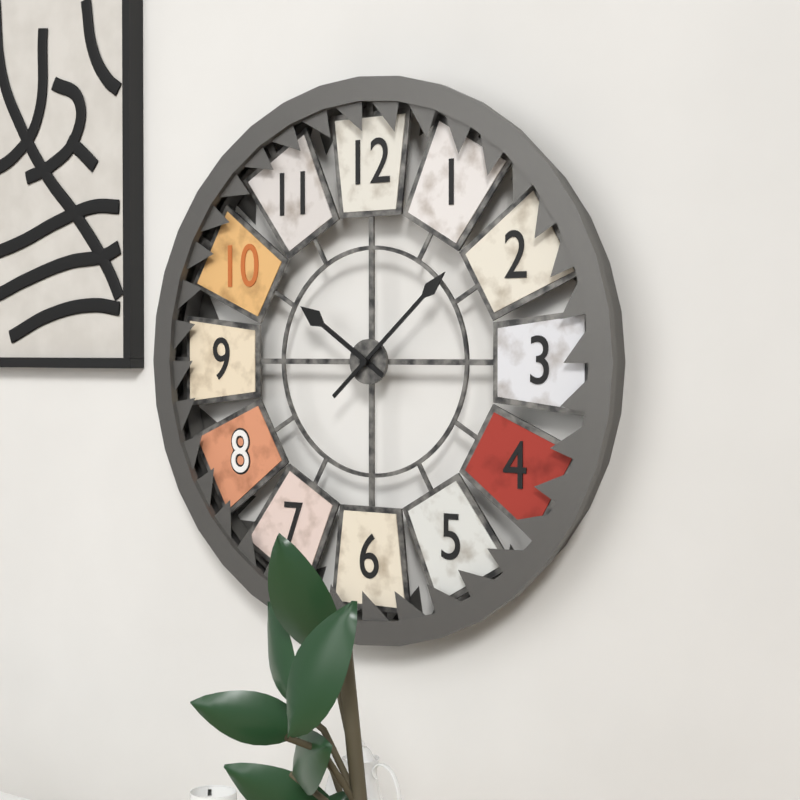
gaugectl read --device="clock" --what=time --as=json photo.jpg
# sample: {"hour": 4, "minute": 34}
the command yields {"hour": 10, "minute": 8}
